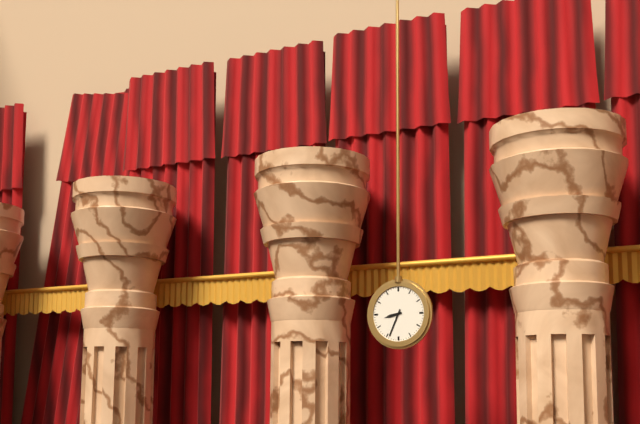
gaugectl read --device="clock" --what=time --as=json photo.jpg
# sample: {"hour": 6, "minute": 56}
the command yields {"hour": 8, "minute": 34}
